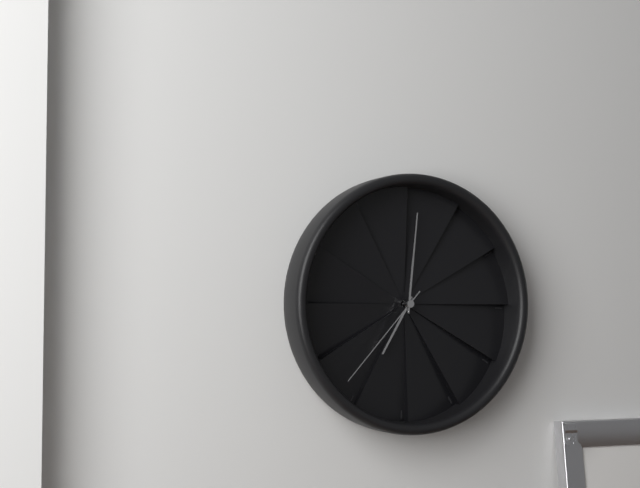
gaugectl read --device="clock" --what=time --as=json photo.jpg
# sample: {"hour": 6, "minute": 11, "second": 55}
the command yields {"hour": 7, "minute": 1, "second": 37}
